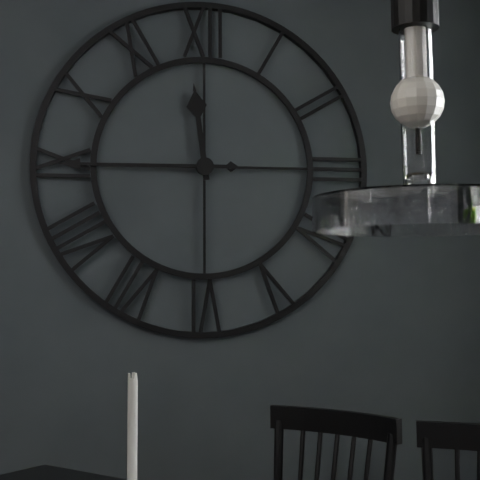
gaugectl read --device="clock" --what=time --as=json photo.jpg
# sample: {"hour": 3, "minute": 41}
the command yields {"hour": 11, "minute": 45}
